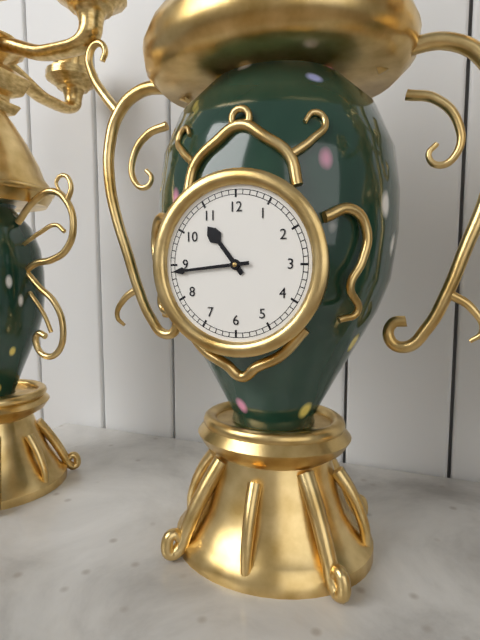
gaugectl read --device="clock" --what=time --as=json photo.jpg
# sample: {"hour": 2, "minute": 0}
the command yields {"hour": 10, "minute": 44}
